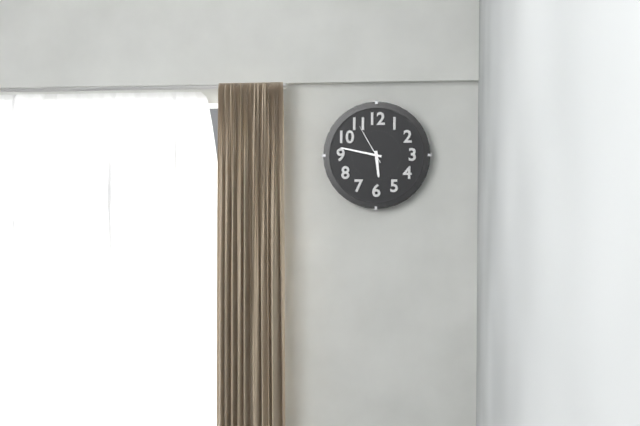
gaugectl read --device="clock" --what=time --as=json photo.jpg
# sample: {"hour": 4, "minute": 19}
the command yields {"hour": 5, "minute": 47}
